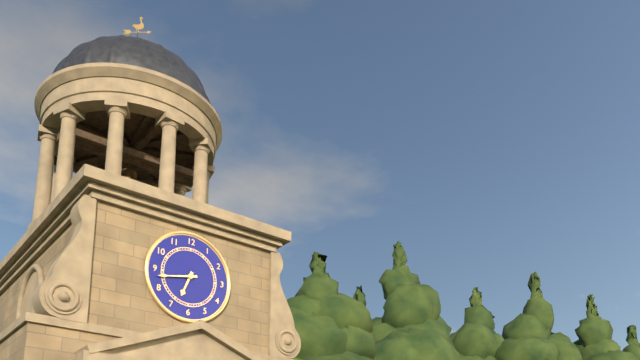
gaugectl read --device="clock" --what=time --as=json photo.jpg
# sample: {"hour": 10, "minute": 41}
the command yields {"hour": 6, "minute": 43}
